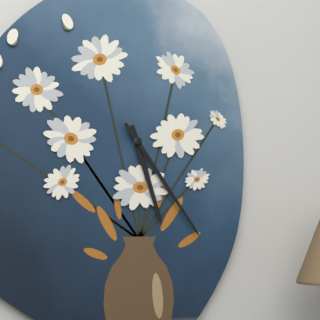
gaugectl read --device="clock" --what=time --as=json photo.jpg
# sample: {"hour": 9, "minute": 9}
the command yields {"hour": 5, "minute": 24}
